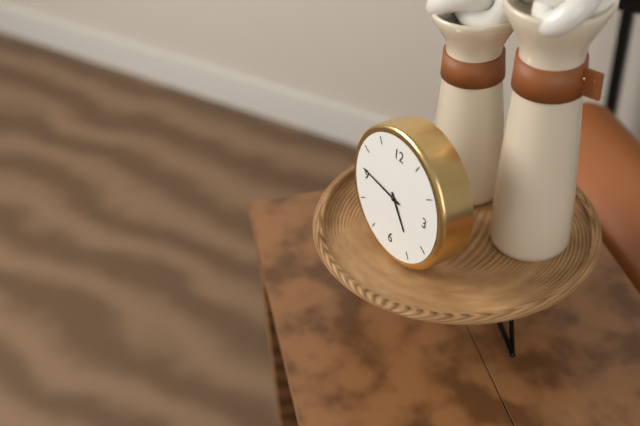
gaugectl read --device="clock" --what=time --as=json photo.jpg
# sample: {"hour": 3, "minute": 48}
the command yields {"hour": 4, "minute": 46}
